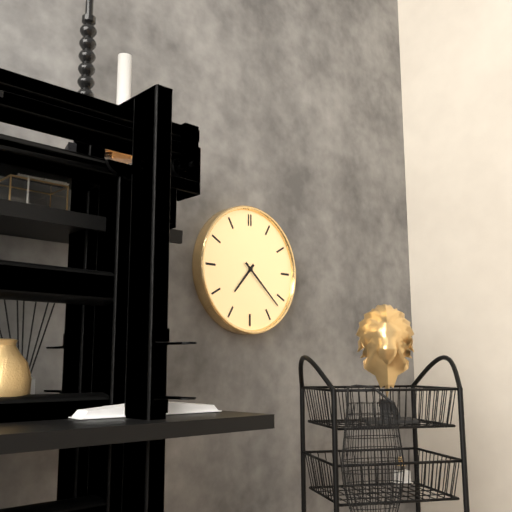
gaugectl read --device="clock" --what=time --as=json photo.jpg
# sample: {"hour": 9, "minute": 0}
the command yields {"hour": 7, "minute": 22}
